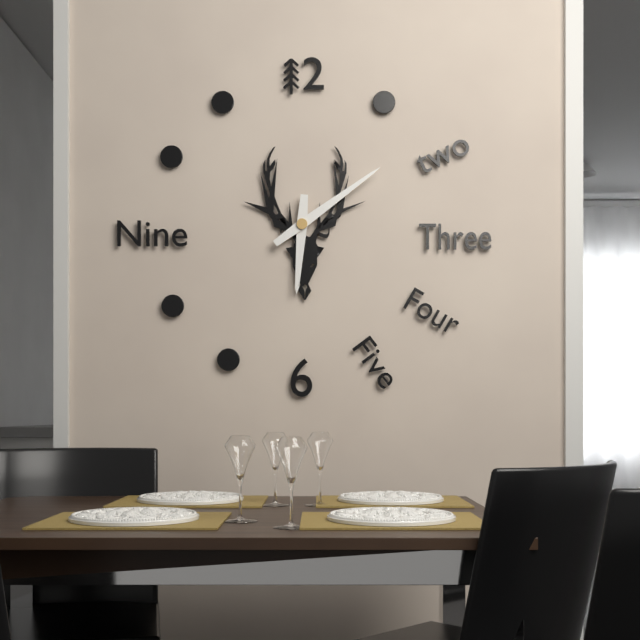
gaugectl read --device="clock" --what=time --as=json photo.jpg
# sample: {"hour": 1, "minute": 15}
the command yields {"hour": 6, "minute": 9}
